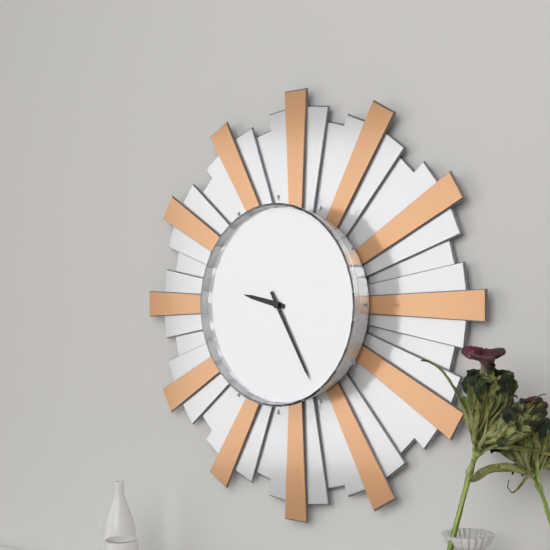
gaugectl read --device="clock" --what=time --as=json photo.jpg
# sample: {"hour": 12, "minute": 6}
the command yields {"hour": 9, "minute": 25}
